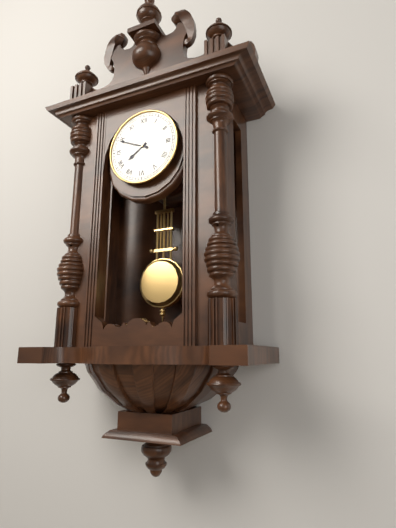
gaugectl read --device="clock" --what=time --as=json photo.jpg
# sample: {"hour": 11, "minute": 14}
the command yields {"hour": 7, "minute": 49}
